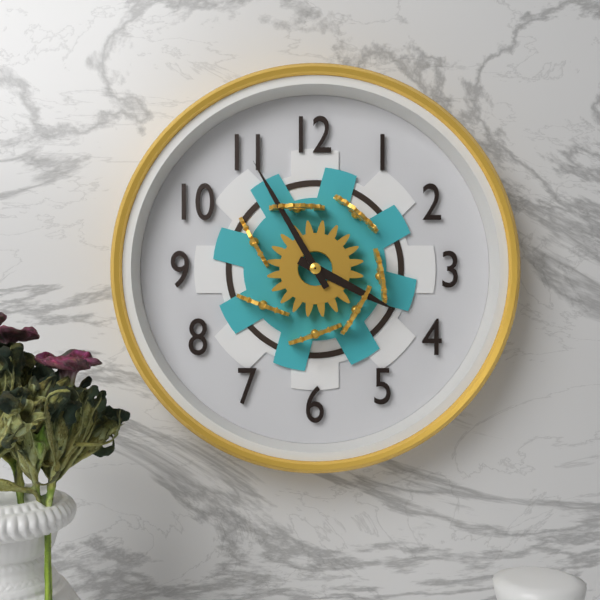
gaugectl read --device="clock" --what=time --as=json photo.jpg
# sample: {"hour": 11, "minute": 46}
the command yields {"hour": 3, "minute": 55}
